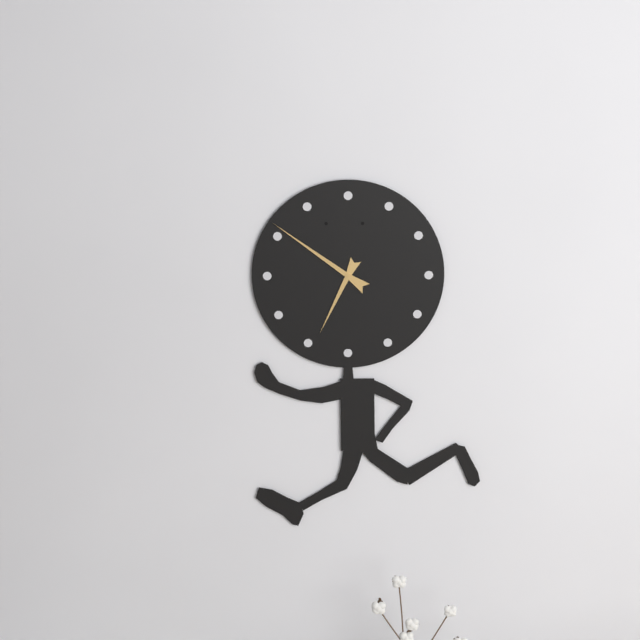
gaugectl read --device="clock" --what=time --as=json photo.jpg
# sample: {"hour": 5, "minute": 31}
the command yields {"hour": 6, "minute": 51}
